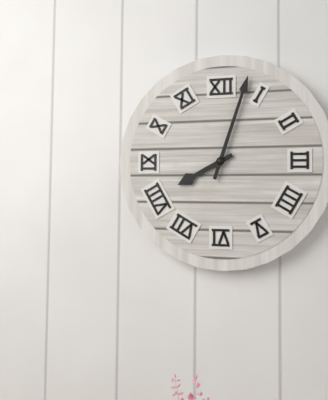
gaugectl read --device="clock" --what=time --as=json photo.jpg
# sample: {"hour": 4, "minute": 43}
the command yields {"hour": 8, "minute": 3}
